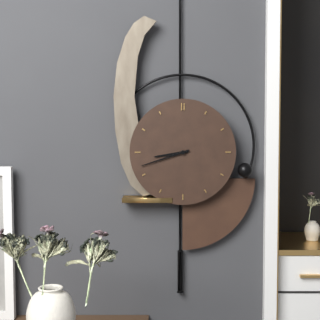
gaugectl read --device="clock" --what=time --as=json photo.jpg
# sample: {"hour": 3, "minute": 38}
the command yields {"hour": 8, "minute": 42}
